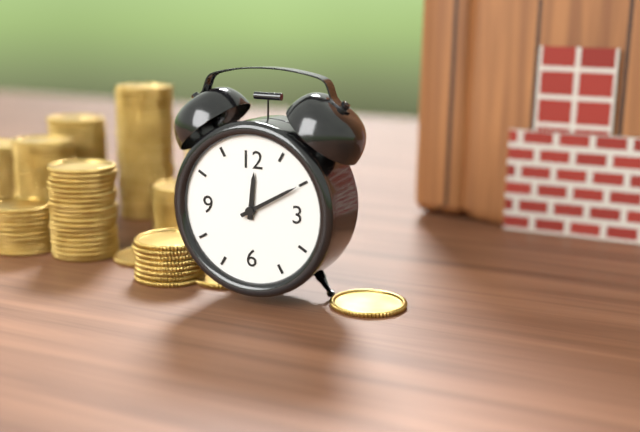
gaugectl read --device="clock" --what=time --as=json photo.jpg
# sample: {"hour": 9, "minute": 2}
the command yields {"hour": 12, "minute": 10}
